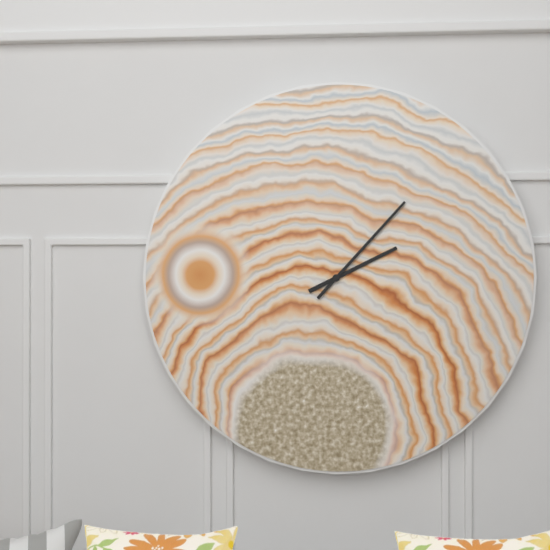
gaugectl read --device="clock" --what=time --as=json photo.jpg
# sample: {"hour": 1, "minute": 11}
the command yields {"hour": 2, "minute": 7}
